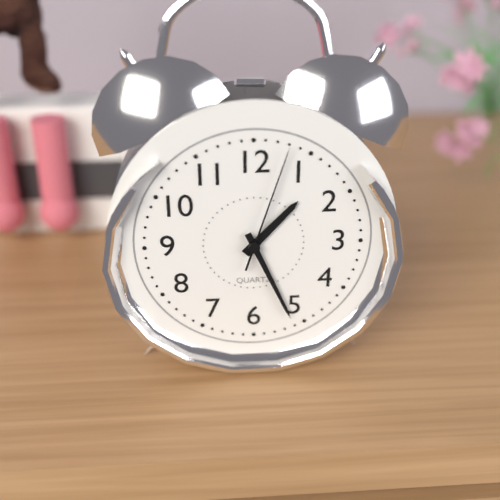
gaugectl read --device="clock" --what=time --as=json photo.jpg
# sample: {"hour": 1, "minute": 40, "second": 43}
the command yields {"hour": 1, "minute": 26, "second": 3}
